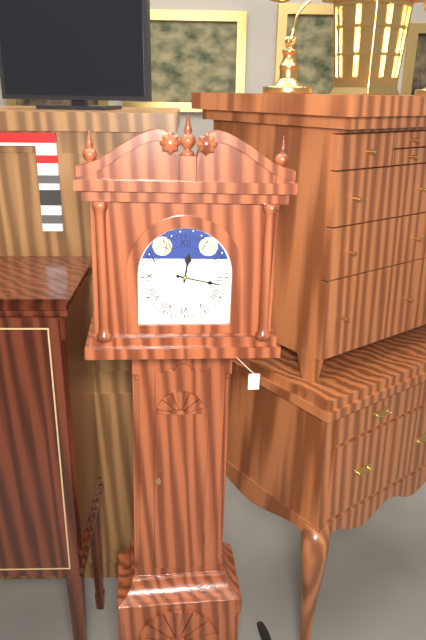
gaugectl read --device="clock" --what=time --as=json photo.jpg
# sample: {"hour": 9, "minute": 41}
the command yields {"hour": 12, "minute": 17}
